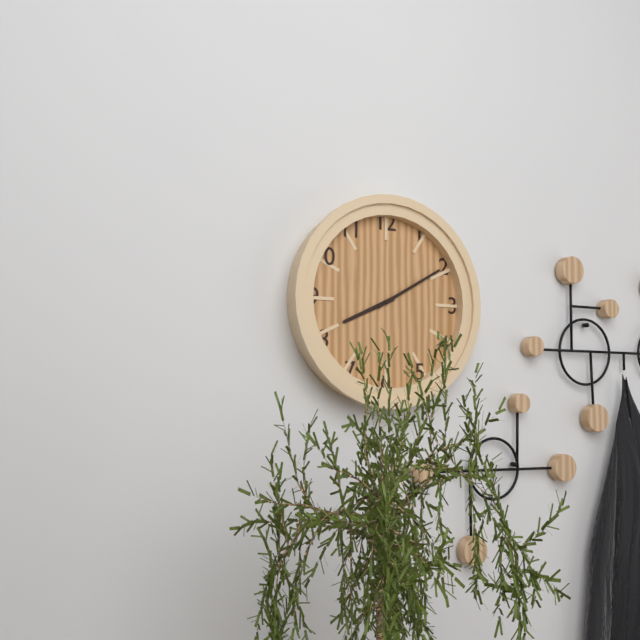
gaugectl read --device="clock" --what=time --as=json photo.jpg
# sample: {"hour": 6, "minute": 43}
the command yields {"hour": 8, "minute": 10}
